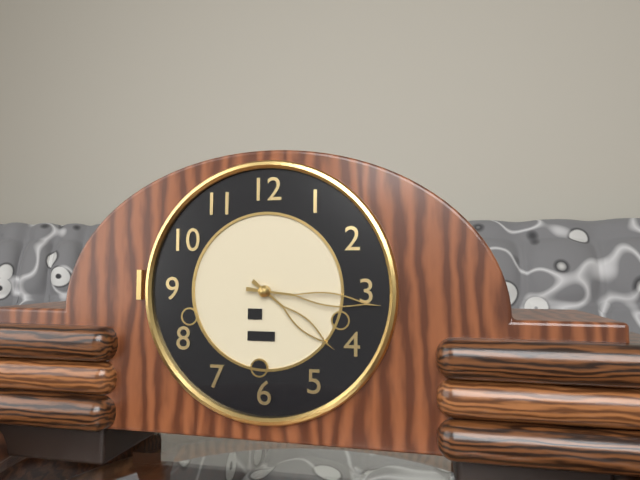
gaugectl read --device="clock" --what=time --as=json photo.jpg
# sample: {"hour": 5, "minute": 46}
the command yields {"hour": 4, "minute": 16}
